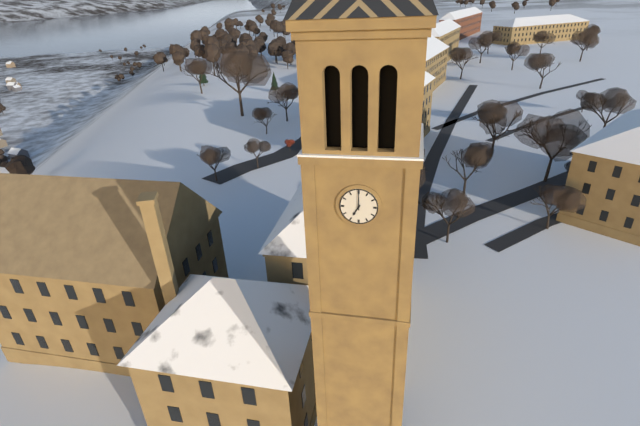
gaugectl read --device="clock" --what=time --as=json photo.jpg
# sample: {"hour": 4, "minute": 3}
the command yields {"hour": 7, "minute": 0}
